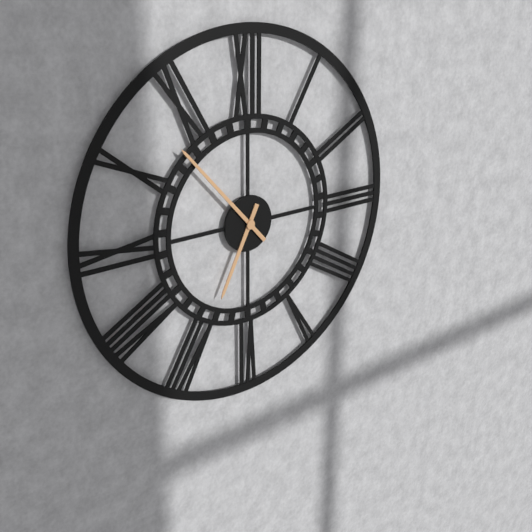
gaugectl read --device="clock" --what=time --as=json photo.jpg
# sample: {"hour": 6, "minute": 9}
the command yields {"hour": 6, "minute": 53}
